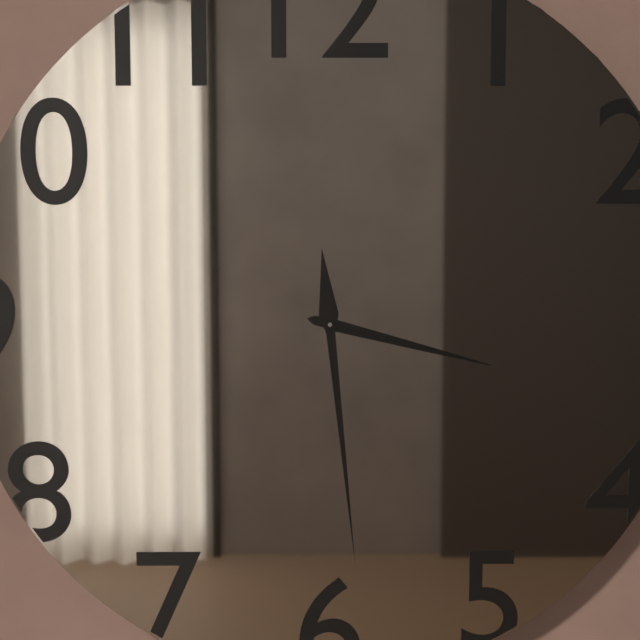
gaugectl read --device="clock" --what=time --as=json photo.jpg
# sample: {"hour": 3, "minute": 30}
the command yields {"hour": 3, "minute": 29}
